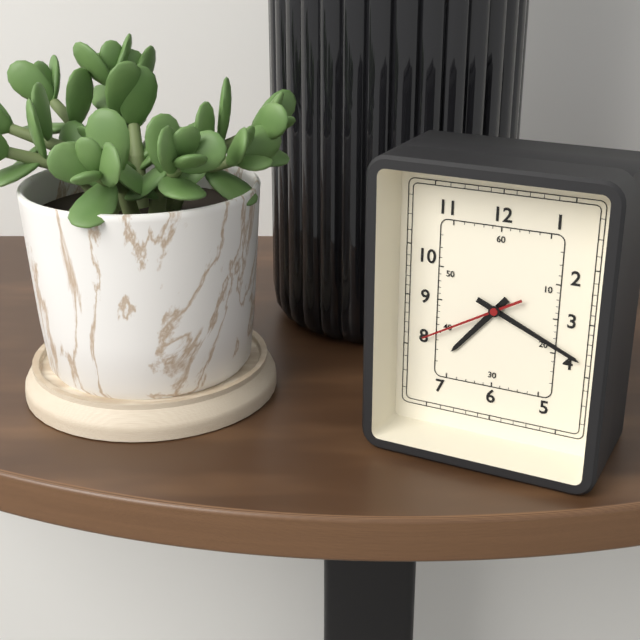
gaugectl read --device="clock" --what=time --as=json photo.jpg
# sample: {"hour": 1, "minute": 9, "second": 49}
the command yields {"hour": 7, "minute": 19, "second": 40}
